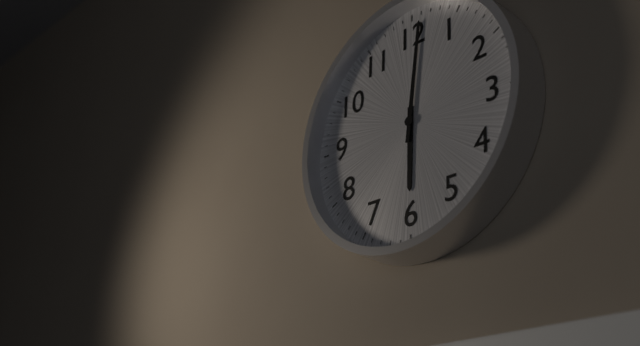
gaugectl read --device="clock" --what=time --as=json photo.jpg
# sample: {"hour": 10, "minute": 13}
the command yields {"hour": 6, "minute": 1}
